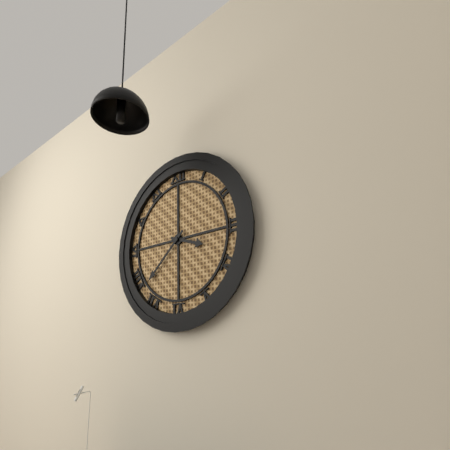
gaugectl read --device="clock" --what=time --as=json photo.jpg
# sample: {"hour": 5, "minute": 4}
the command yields {"hour": 3, "minute": 38}
